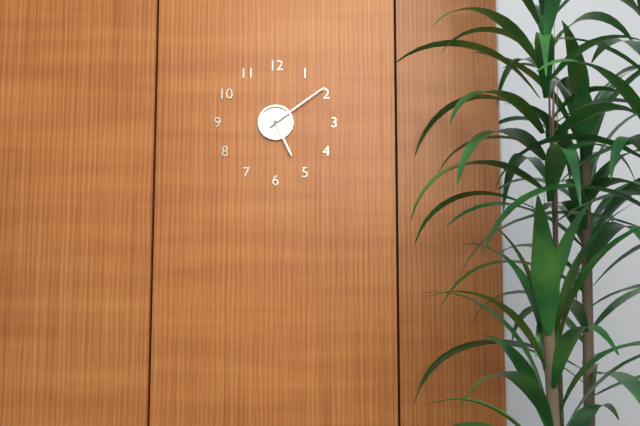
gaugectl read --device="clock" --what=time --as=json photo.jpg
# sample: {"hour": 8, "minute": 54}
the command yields {"hour": 5, "minute": 9}
